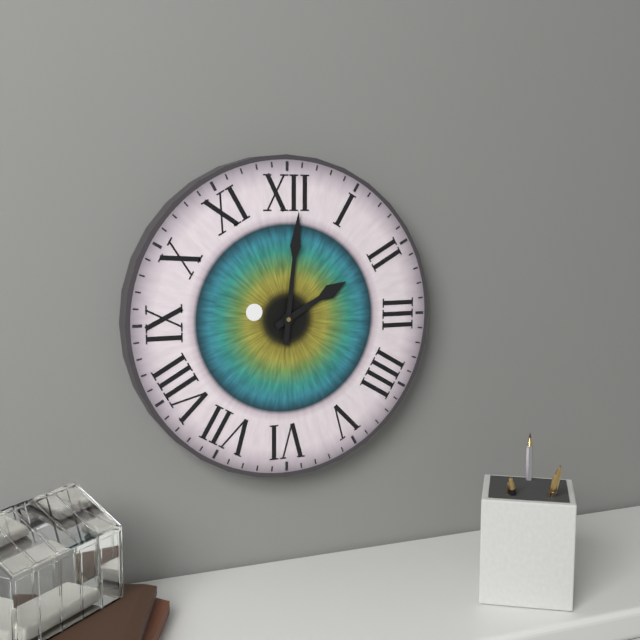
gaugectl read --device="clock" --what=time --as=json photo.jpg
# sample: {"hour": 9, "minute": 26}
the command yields {"hour": 2, "minute": 1}
